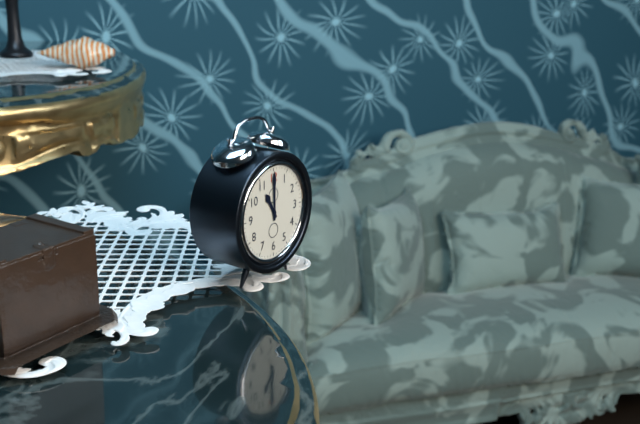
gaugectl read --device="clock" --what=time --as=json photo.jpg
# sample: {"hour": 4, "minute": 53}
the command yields {"hour": 11, "minute": 0}
